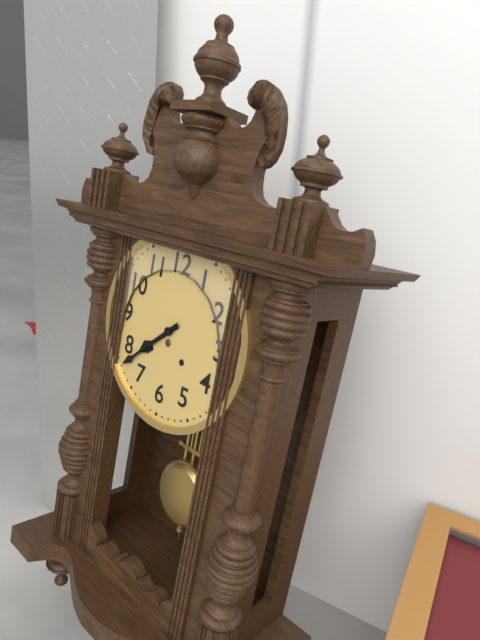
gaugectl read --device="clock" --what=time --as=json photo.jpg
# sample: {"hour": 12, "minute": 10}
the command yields {"hour": 7, "minute": 38}
